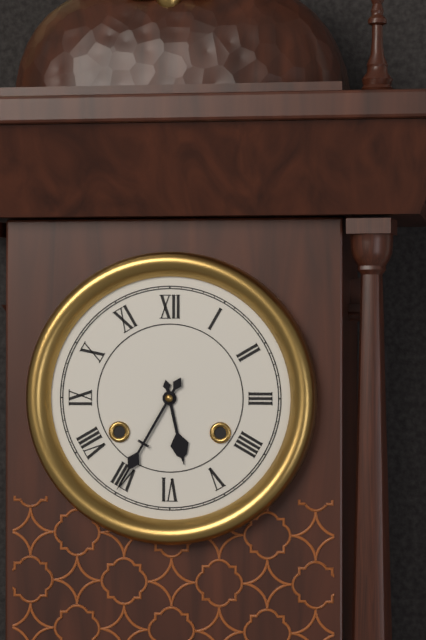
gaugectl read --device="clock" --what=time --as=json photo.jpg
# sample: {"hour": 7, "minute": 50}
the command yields {"hour": 5, "minute": 35}
